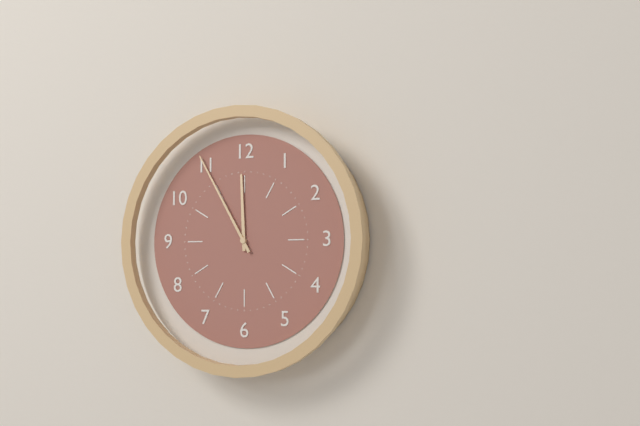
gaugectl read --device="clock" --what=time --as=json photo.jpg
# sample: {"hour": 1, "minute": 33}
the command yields {"hour": 11, "minute": 55}
